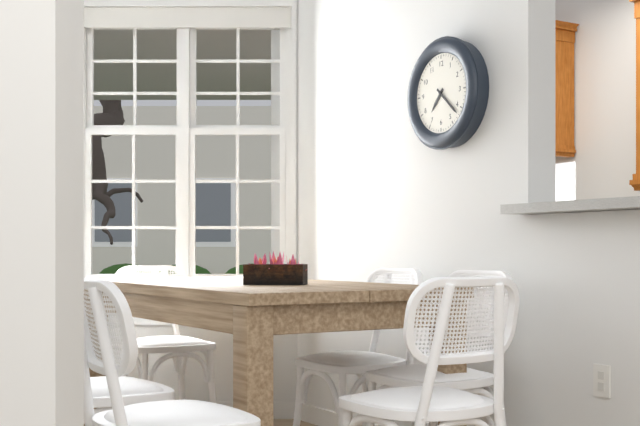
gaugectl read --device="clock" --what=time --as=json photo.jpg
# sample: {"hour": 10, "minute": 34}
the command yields {"hour": 7, "minute": 22}
